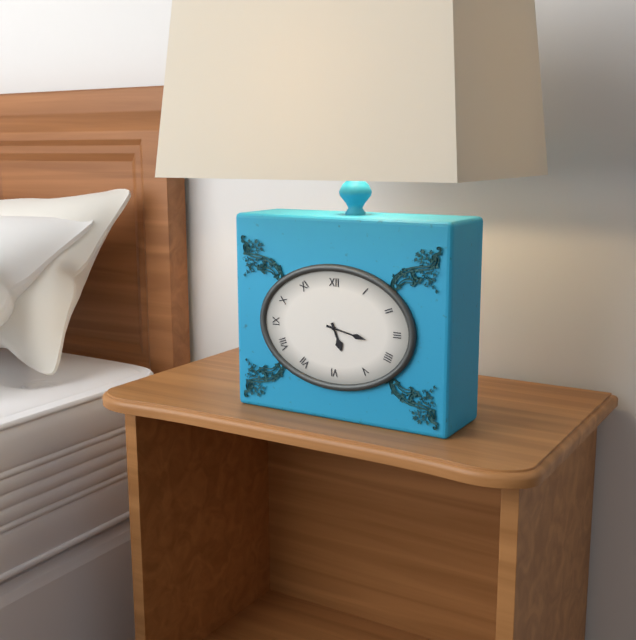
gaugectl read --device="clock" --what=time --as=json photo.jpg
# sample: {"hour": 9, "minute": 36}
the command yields {"hour": 5, "minute": 17}
